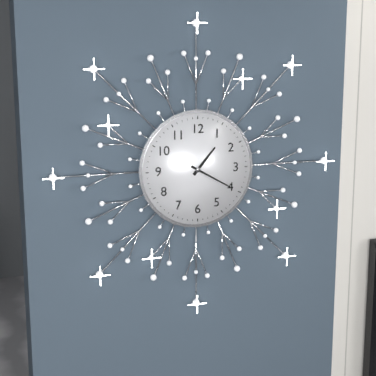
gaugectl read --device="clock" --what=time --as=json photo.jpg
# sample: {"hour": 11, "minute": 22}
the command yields {"hour": 1, "minute": 20}
